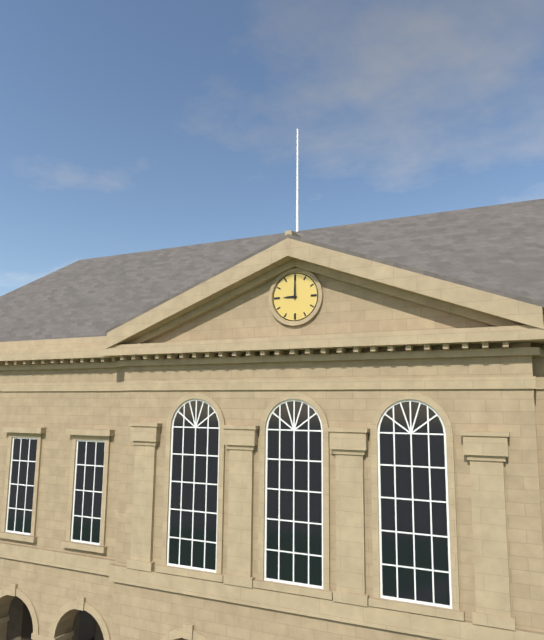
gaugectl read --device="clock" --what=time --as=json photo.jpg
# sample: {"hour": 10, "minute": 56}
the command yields {"hour": 9, "minute": 0}
